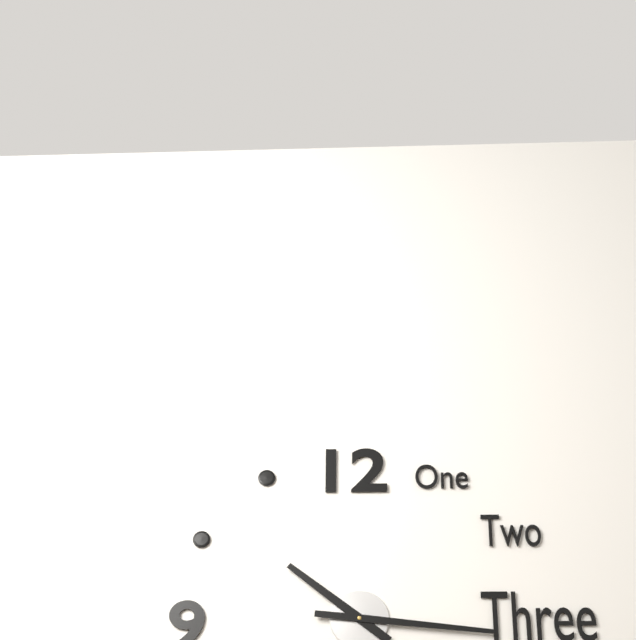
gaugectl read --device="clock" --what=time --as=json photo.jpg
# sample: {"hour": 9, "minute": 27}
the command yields {"hour": 10, "minute": 16}
